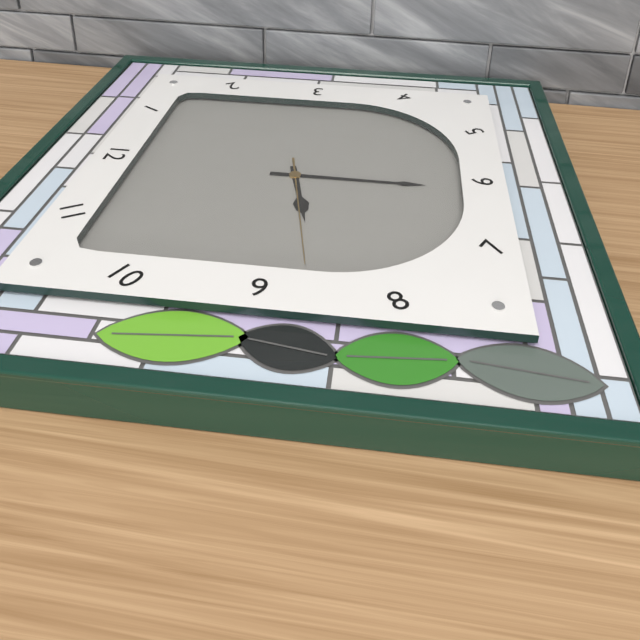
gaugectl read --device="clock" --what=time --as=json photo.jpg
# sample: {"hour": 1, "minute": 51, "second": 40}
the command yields {"hour": 8, "minute": 30, "second": 43}
